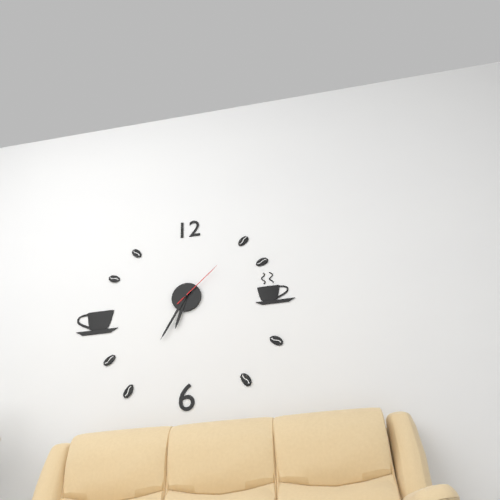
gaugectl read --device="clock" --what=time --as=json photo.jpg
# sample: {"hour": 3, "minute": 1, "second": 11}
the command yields {"hour": 6, "minute": 35, "second": 8}
